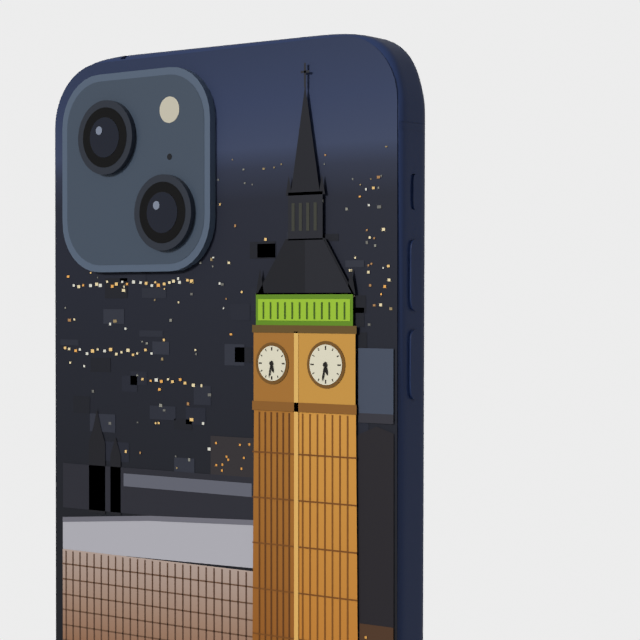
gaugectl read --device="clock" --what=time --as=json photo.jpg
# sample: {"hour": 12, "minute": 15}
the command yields {"hour": 5, "minute": 32}
